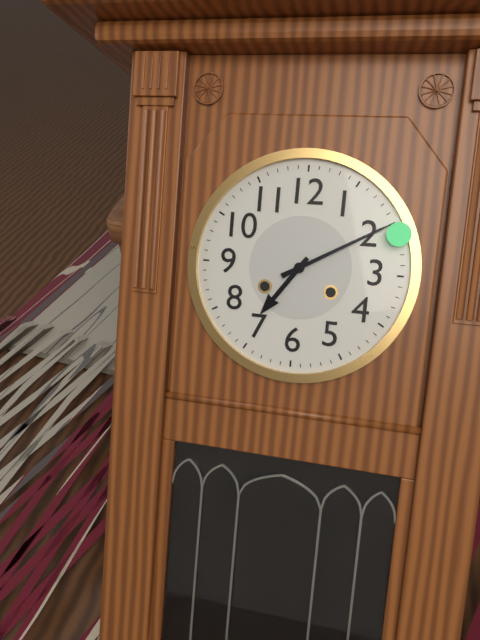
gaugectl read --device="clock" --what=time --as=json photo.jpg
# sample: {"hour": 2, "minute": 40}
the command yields {"hour": 7, "minute": 10}
